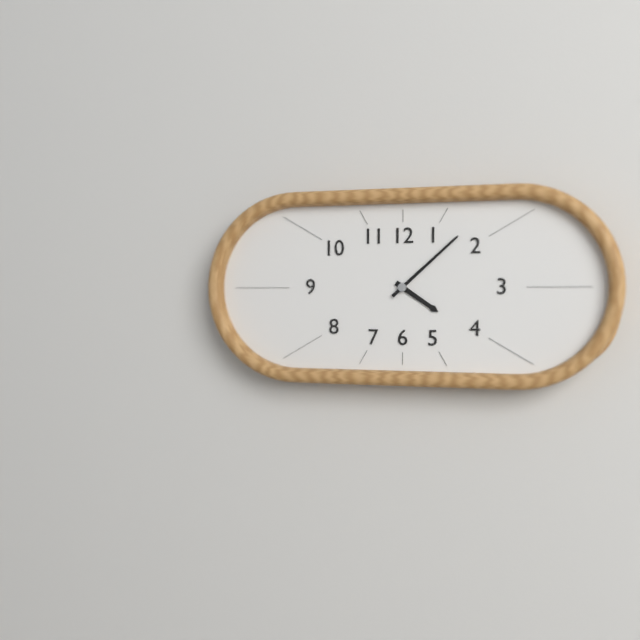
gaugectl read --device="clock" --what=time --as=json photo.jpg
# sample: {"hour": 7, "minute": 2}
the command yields {"hour": 4, "minute": 8}
